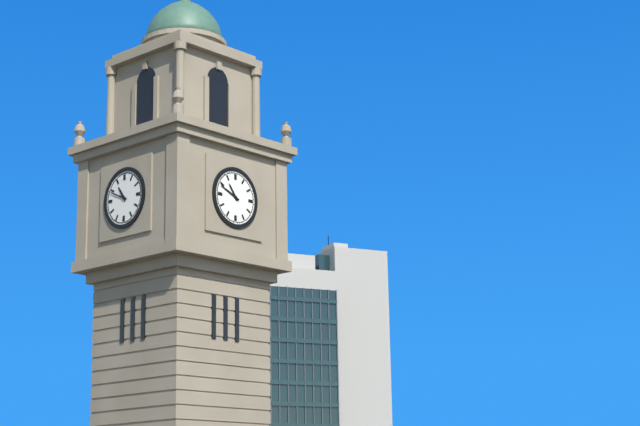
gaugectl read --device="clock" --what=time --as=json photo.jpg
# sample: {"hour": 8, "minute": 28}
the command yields {"hour": 10, "minute": 49}
